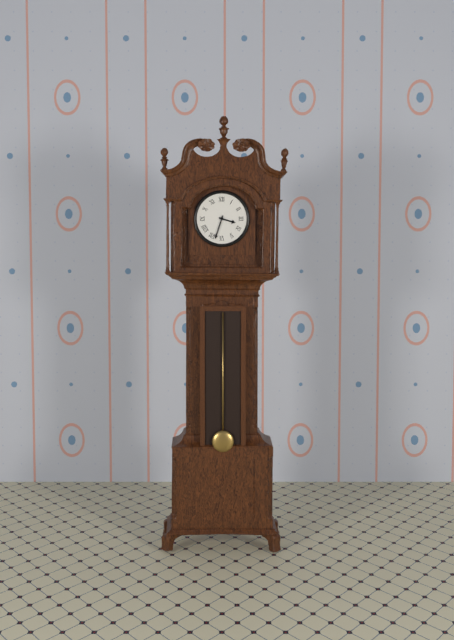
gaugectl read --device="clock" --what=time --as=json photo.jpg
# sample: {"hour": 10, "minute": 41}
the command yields {"hour": 3, "minute": 33}
